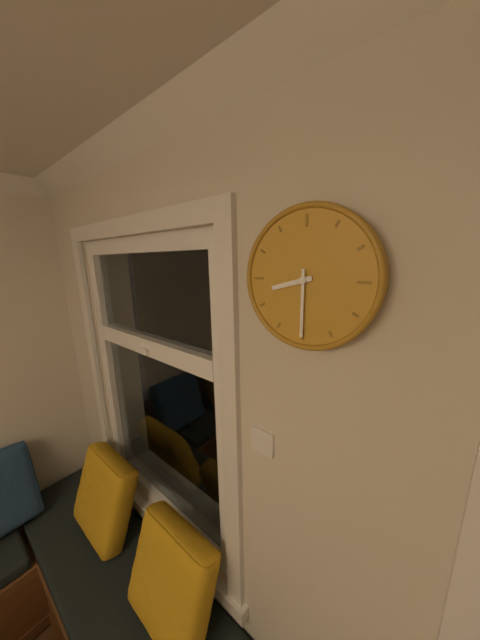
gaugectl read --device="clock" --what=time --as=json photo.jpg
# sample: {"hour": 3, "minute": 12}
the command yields {"hour": 8, "minute": 30}
